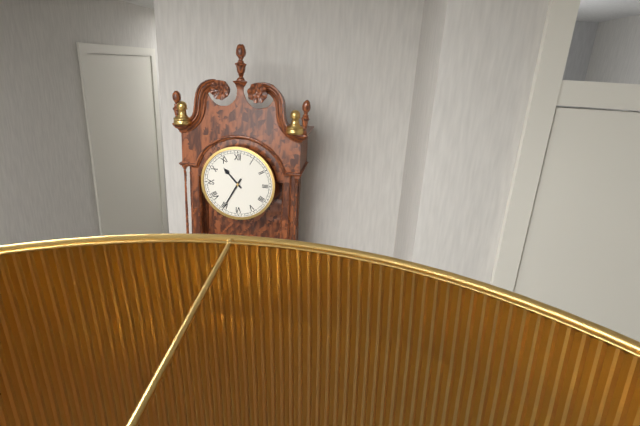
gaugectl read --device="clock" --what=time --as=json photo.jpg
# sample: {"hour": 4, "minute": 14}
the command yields {"hour": 10, "minute": 35}
